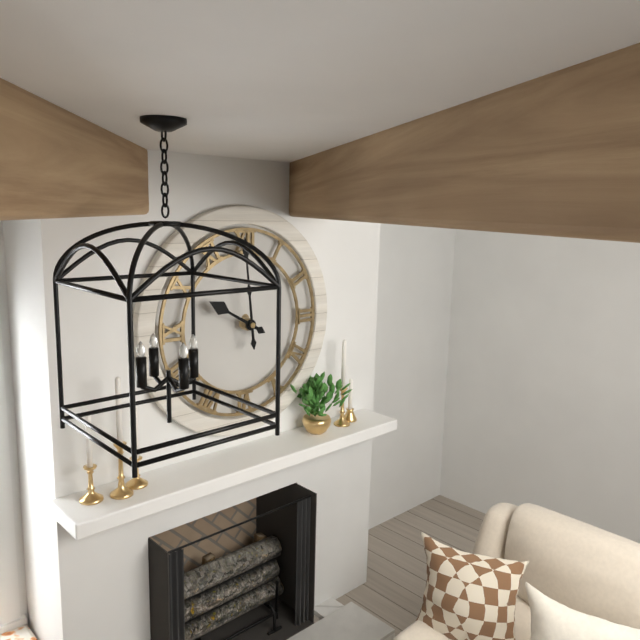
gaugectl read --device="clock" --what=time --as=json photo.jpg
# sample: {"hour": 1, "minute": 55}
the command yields {"hour": 9, "minute": 59}
